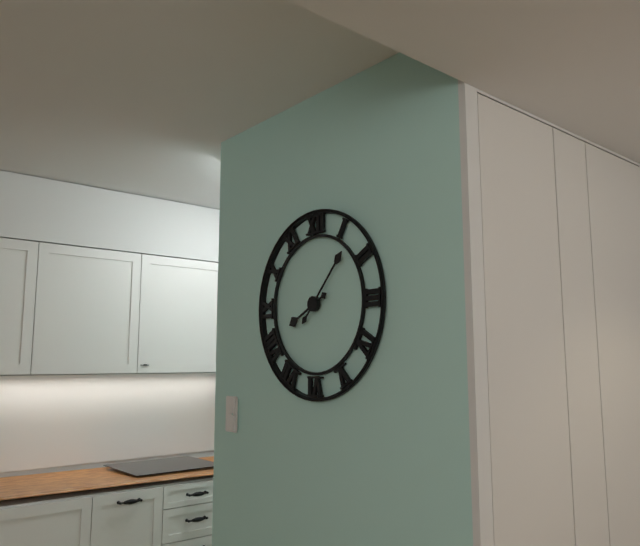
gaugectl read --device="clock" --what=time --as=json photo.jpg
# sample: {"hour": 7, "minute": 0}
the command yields {"hour": 8, "minute": 7}
